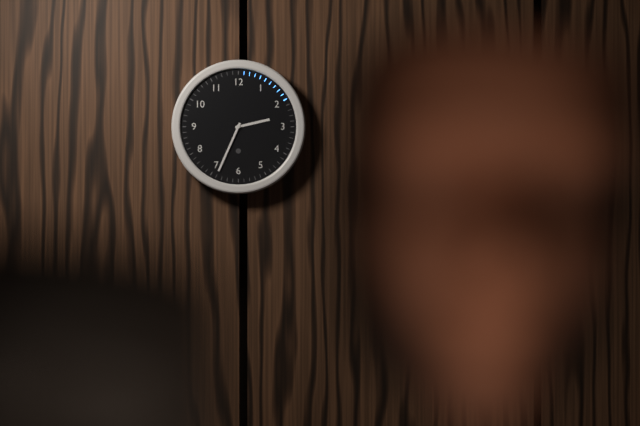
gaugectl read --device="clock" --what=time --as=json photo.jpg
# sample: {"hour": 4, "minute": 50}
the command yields {"hour": 2, "minute": 34}
